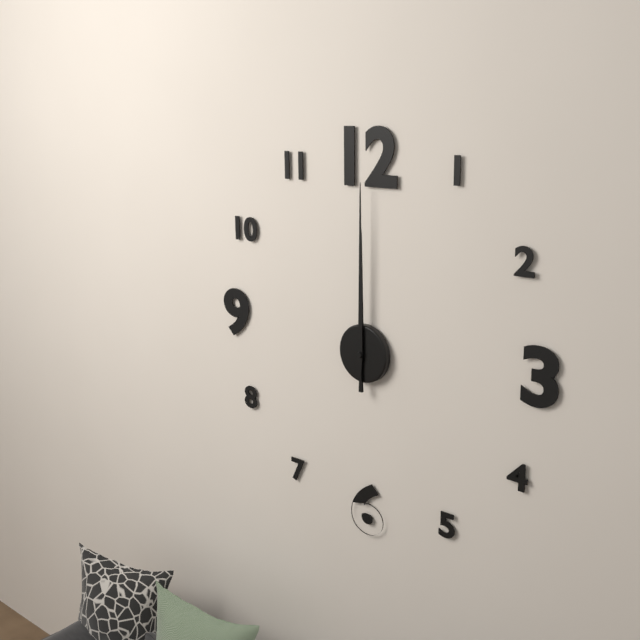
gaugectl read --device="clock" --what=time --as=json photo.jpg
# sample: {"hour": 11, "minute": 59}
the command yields {"hour": 12, "minute": 0}
